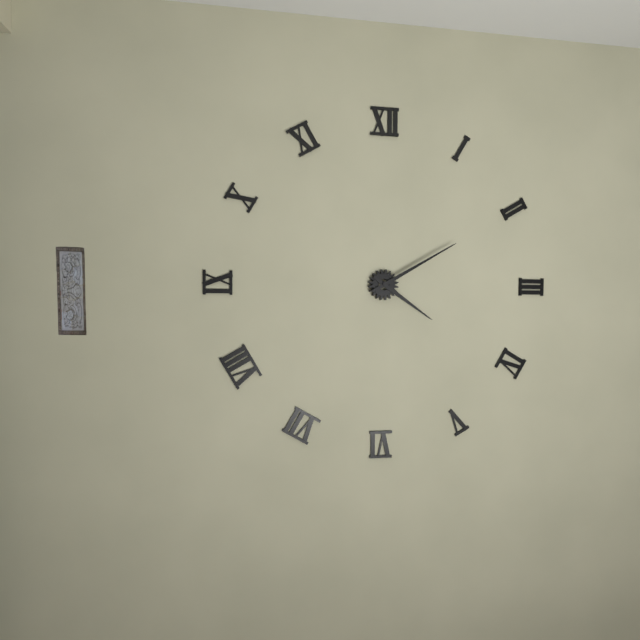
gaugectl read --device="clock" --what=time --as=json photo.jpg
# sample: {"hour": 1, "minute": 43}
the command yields {"hour": 4, "minute": 10}
